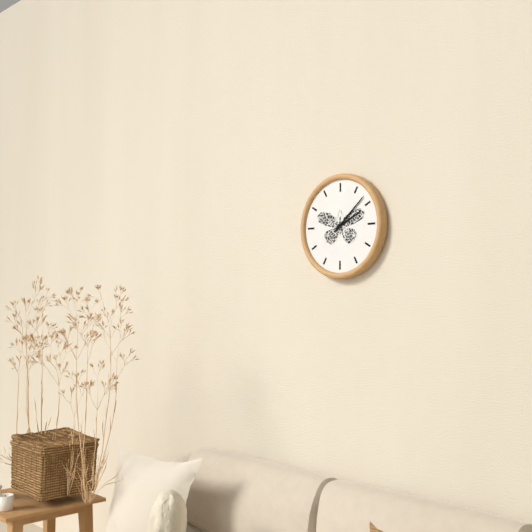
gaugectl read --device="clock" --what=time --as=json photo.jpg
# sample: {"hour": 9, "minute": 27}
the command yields {"hour": 2, "minute": 8}
